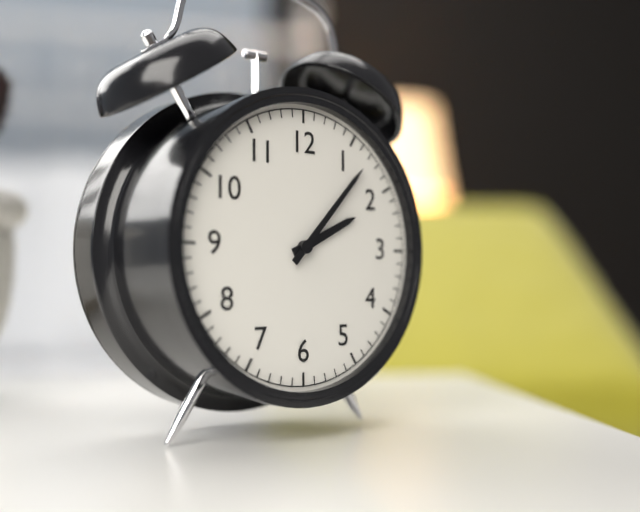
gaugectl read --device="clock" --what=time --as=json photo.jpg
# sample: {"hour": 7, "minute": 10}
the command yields {"hour": 2, "minute": 7}
